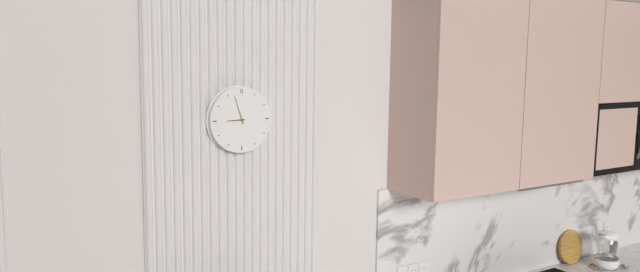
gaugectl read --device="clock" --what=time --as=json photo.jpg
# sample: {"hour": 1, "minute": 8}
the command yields {"hour": 8, "minute": 57}
